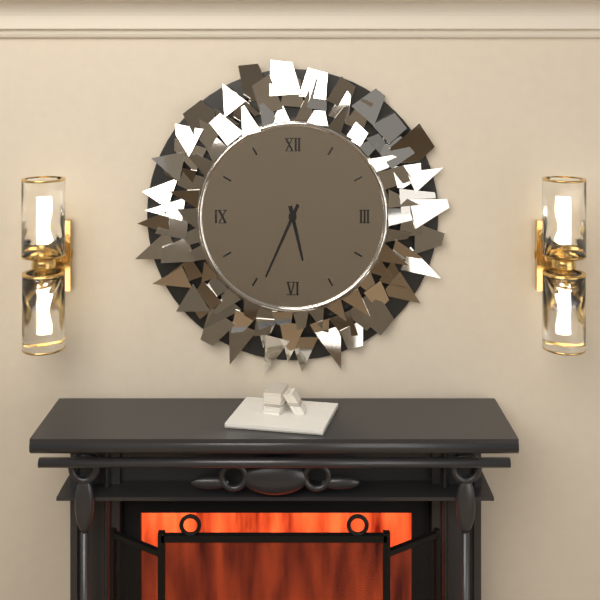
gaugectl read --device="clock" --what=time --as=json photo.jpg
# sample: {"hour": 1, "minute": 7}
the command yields {"hour": 5, "minute": 34}
